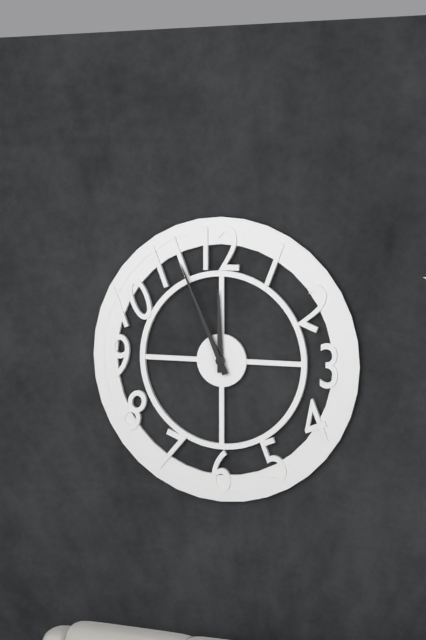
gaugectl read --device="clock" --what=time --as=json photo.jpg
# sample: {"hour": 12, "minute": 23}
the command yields {"hour": 11, "minute": 56}
